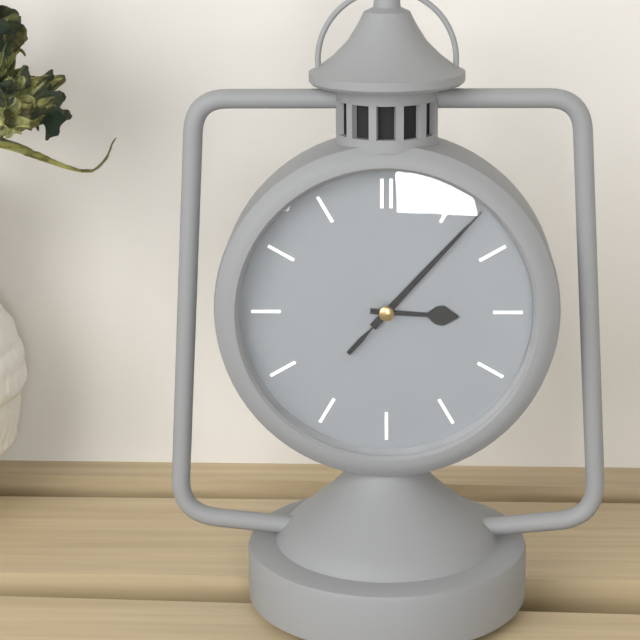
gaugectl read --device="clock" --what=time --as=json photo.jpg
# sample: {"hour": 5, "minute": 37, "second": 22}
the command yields {"hour": 3, "minute": 7, "second": 7}
